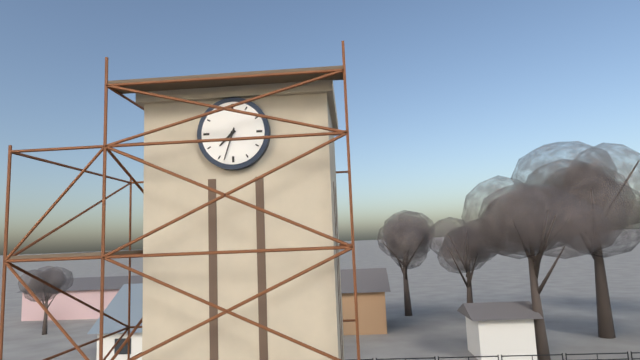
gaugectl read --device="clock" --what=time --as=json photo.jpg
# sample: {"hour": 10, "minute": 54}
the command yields {"hour": 7, "minute": 33}
